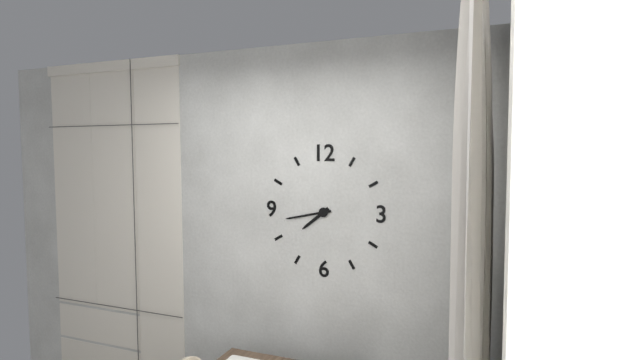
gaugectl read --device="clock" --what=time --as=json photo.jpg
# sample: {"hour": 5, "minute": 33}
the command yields {"hour": 7, "minute": 43}
